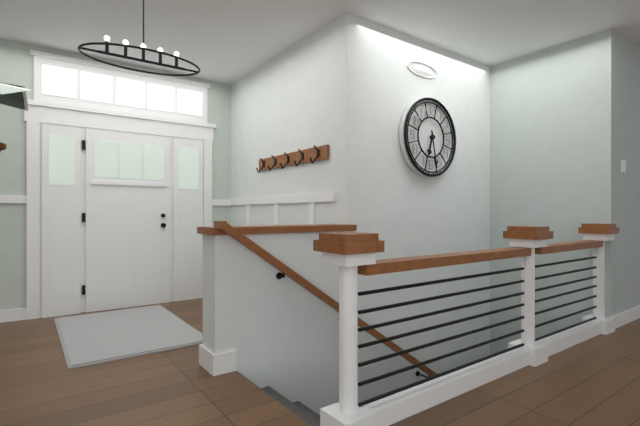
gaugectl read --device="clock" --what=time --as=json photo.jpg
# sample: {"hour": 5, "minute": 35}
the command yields {"hour": 6, "minute": 28}
